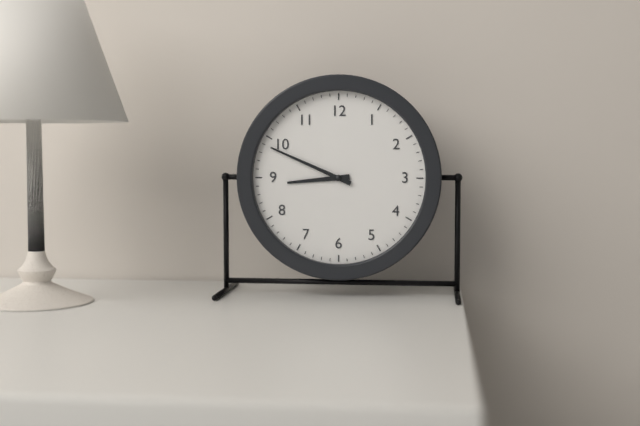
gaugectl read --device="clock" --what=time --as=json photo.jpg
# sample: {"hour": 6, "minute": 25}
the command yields {"hour": 8, "minute": 49}
